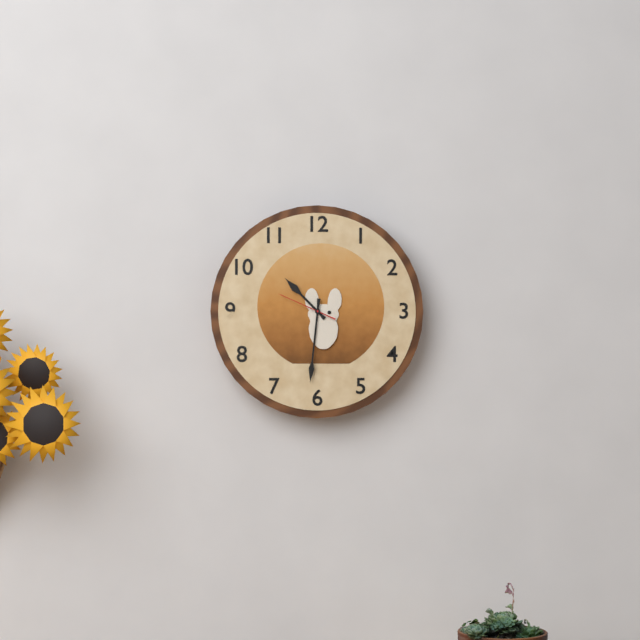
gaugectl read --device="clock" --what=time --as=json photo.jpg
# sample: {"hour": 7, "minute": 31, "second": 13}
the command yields {"hour": 10, "minute": 31, "second": 49}
